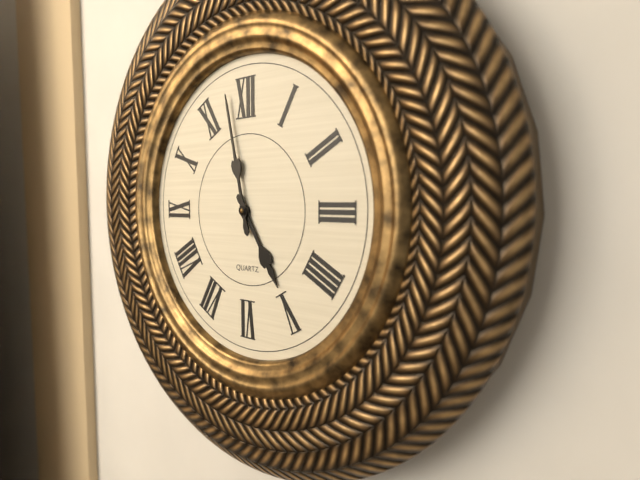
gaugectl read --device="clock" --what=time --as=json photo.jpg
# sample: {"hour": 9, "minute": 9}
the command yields {"hour": 4, "minute": 58}
